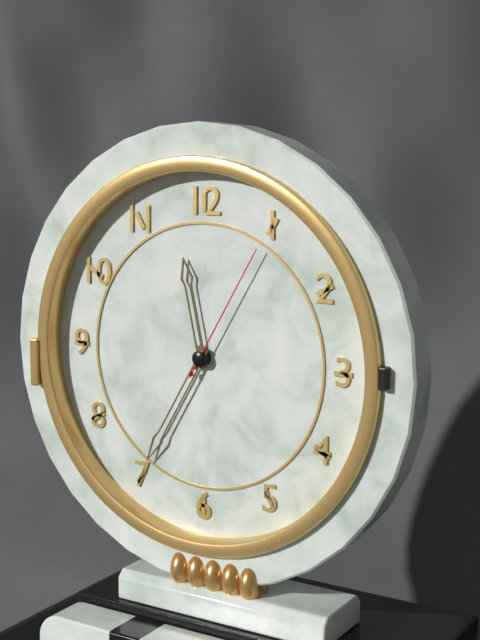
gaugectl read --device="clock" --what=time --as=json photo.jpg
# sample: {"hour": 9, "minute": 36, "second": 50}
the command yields {"hour": 11, "minute": 35, "second": 5}
